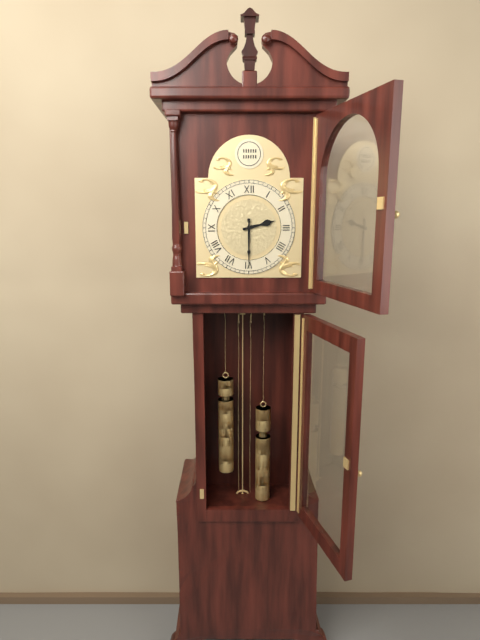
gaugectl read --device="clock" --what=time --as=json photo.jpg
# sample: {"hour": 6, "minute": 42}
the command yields {"hour": 2, "minute": 30}
